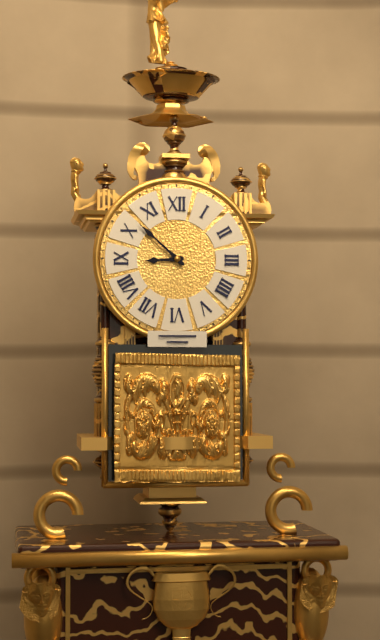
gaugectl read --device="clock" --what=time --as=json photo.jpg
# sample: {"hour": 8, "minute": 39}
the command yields {"hour": 8, "minute": 52}
